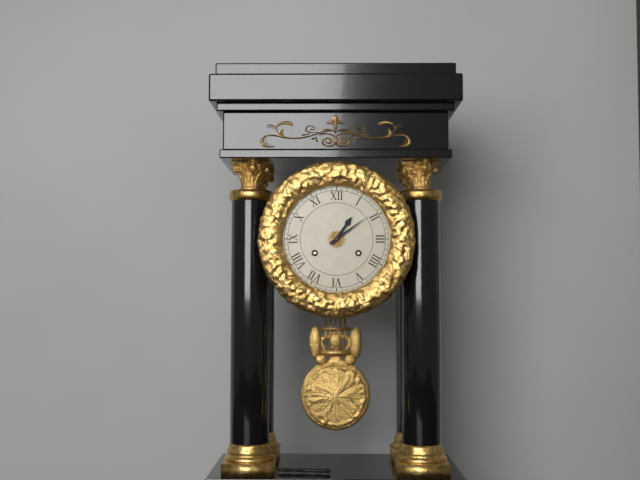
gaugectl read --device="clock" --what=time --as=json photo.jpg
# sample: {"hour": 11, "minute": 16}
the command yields {"hour": 1, "minute": 9}
